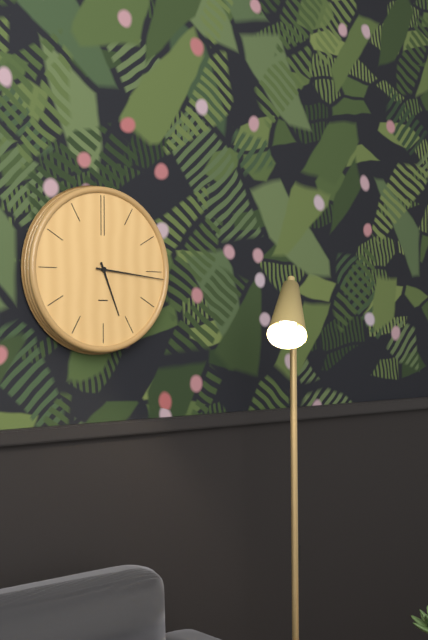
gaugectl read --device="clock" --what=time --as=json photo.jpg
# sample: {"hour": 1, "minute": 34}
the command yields {"hour": 5, "minute": 16}
